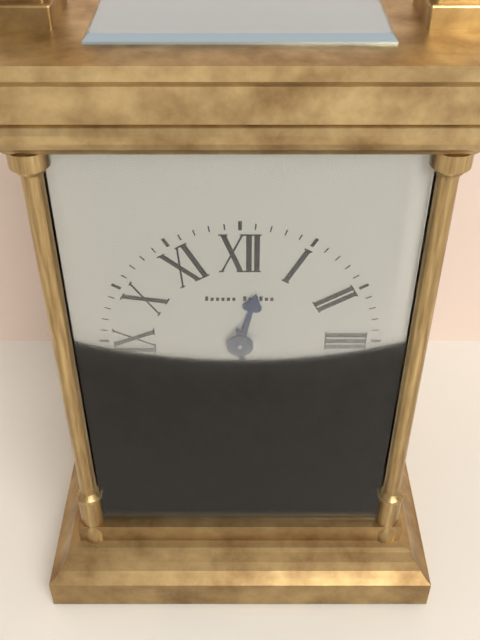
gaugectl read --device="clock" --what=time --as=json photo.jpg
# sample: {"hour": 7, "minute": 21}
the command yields {"hour": 12, "minute": 29}
